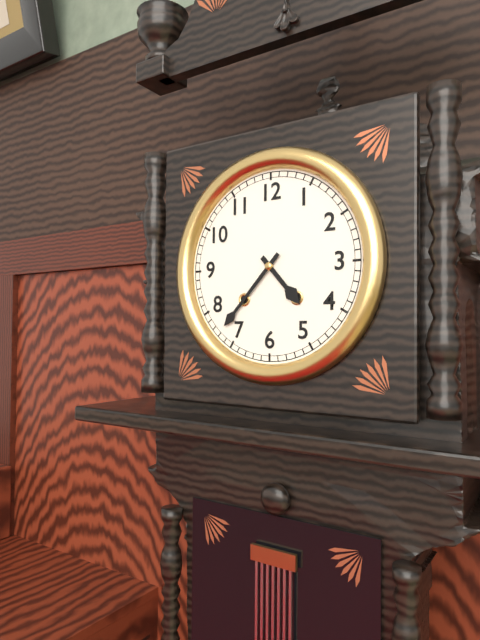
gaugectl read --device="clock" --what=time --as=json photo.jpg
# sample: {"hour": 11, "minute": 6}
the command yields {"hour": 4, "minute": 37}
